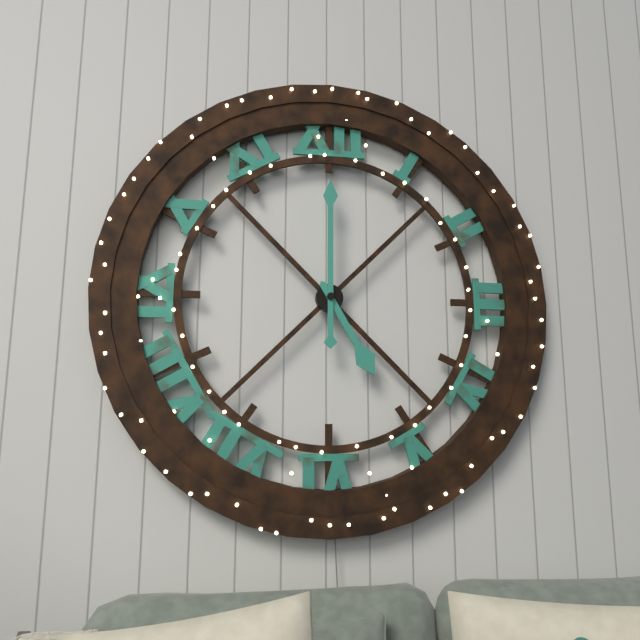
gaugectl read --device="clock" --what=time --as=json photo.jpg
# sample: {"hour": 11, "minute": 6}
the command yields {"hour": 5, "minute": 0}
